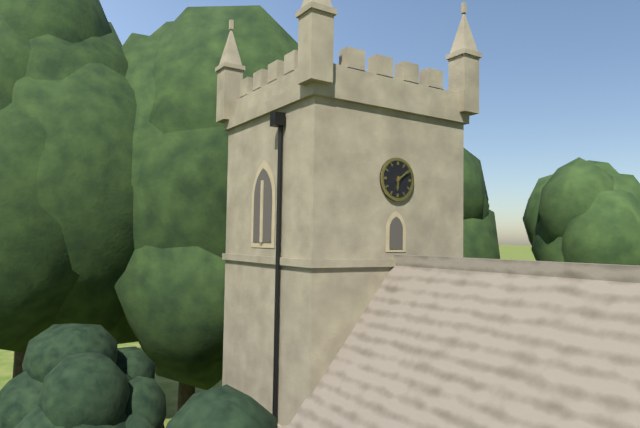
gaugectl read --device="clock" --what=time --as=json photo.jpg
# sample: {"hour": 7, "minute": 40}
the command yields {"hour": 6, "minute": 9}
